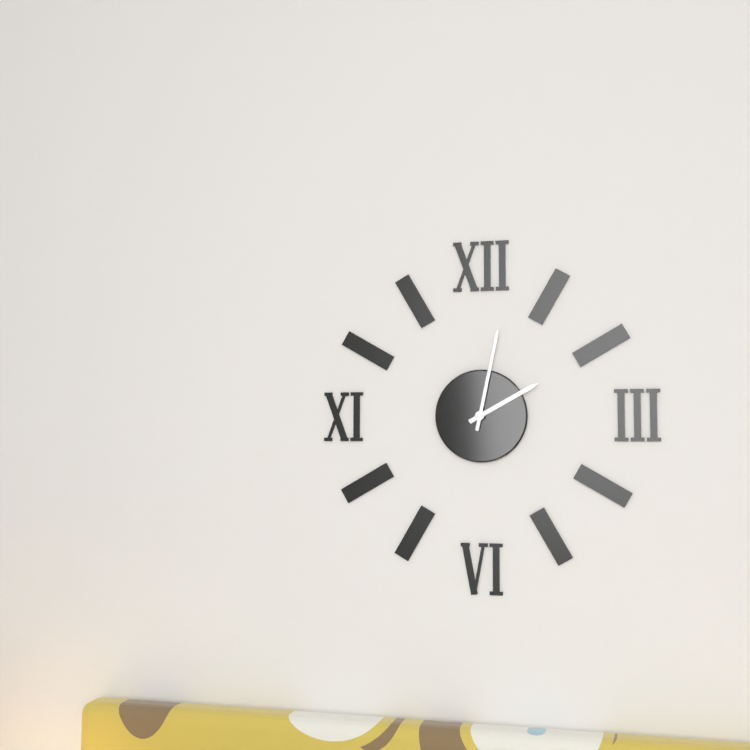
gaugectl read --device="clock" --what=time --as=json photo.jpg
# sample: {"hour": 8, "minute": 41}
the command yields {"hour": 2, "minute": 2}
